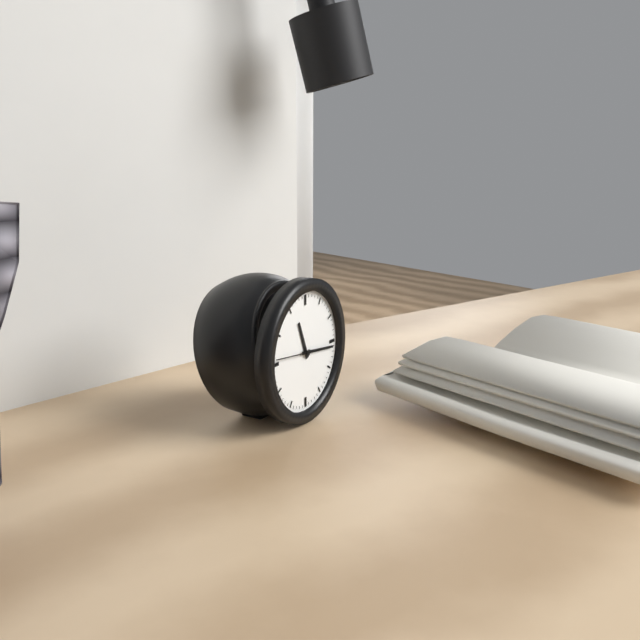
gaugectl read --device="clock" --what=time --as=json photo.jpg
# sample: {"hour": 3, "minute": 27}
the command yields {"hour": 11, "minute": 16}
